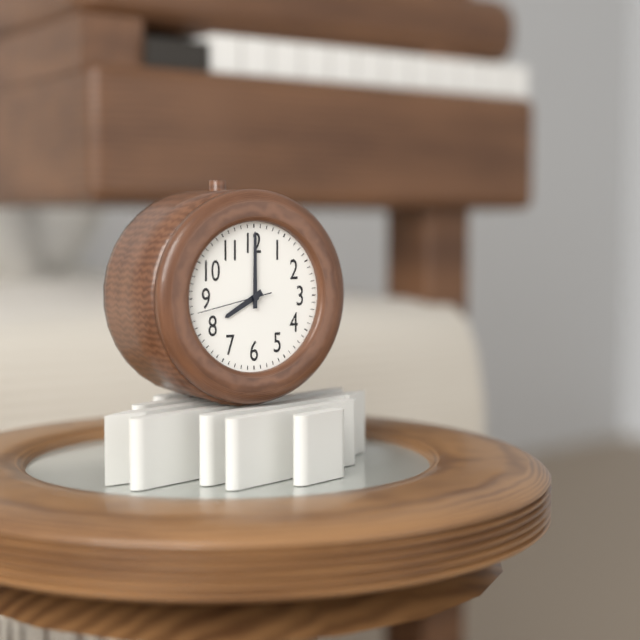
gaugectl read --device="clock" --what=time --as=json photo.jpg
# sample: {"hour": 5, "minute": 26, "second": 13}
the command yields {"hour": 8, "minute": 0, "second": 43}
